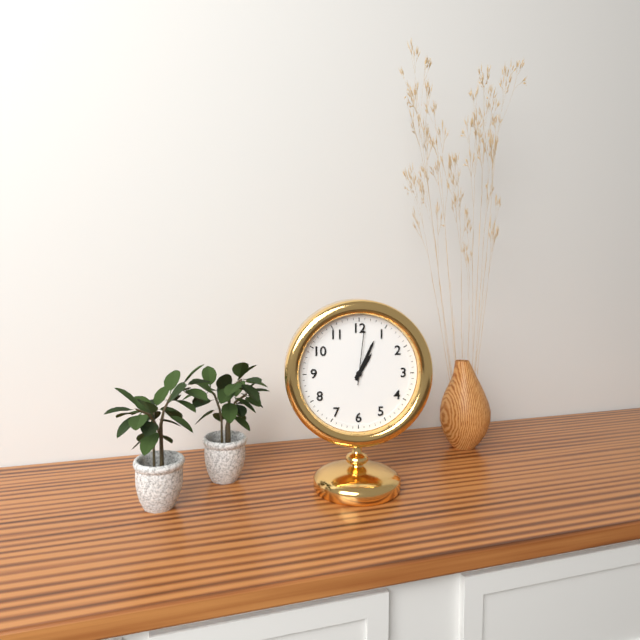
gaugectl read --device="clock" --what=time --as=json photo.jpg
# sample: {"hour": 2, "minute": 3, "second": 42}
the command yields {"hour": 1, "minute": 4, "second": 1}
